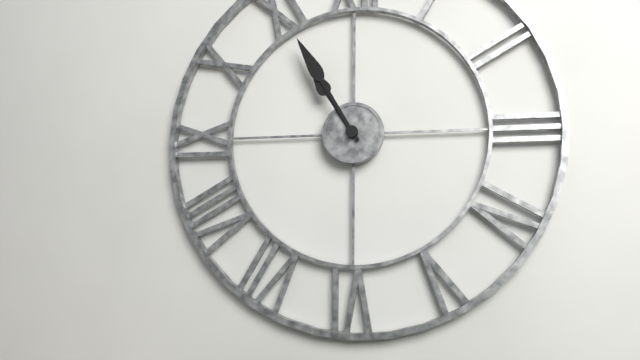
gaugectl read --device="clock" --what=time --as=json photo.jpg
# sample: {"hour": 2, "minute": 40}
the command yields {"hour": 10, "minute": 55}
